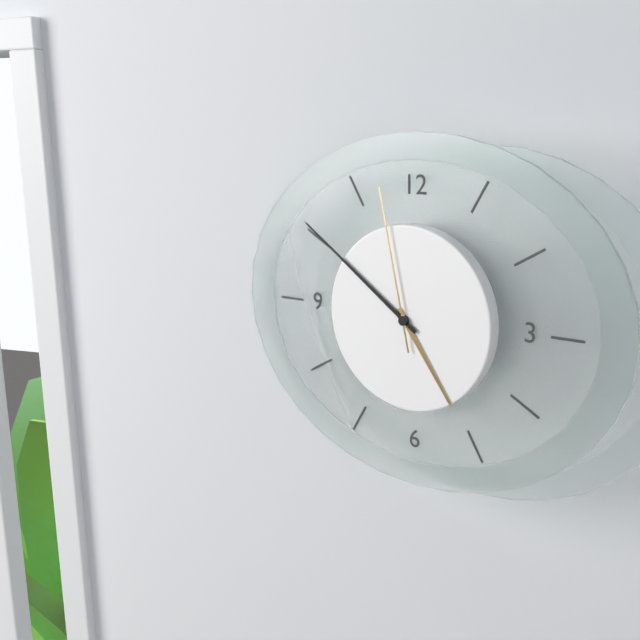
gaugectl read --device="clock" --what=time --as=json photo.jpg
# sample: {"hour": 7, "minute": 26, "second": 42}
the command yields {"hour": 4, "minute": 51, "second": 58}
